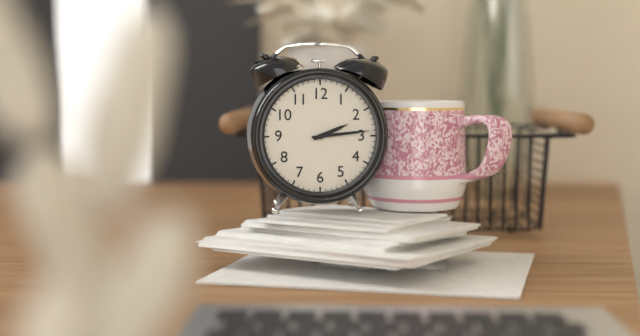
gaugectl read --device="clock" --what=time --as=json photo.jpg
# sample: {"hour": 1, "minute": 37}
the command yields {"hour": 2, "minute": 14}
